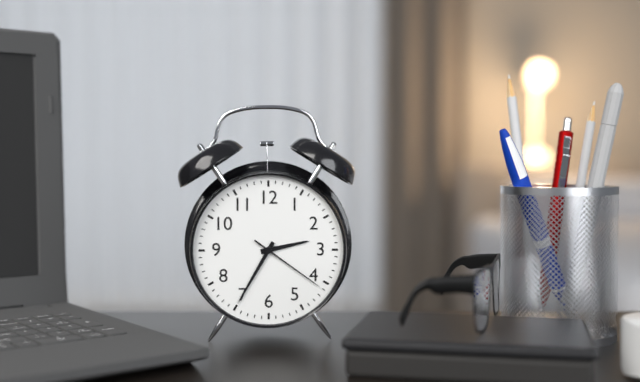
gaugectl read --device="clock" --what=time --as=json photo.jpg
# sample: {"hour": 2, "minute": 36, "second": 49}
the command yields {"hour": 2, "minute": 35, "second": 21}
